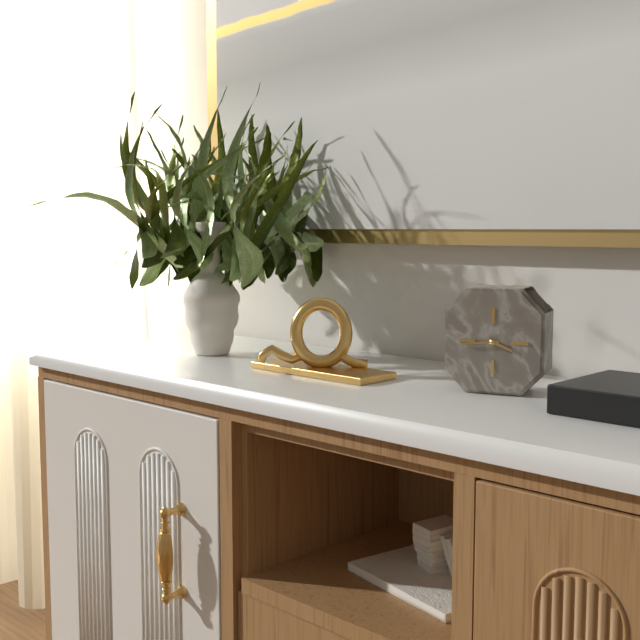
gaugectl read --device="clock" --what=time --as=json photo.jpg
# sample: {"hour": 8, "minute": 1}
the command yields {"hour": 3, "minute": 44}
